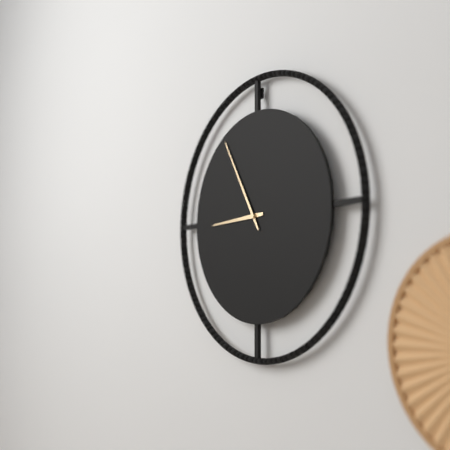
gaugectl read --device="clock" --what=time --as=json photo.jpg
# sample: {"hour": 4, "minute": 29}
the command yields {"hour": 8, "minute": 55}
